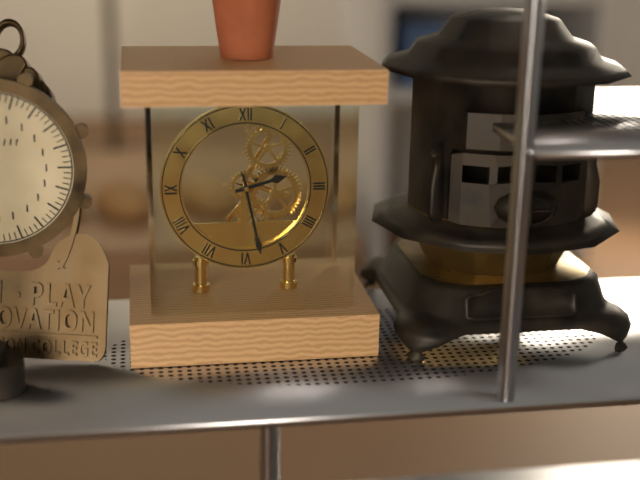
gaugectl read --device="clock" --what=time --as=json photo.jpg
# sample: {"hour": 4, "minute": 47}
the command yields {"hour": 2, "minute": 28}
